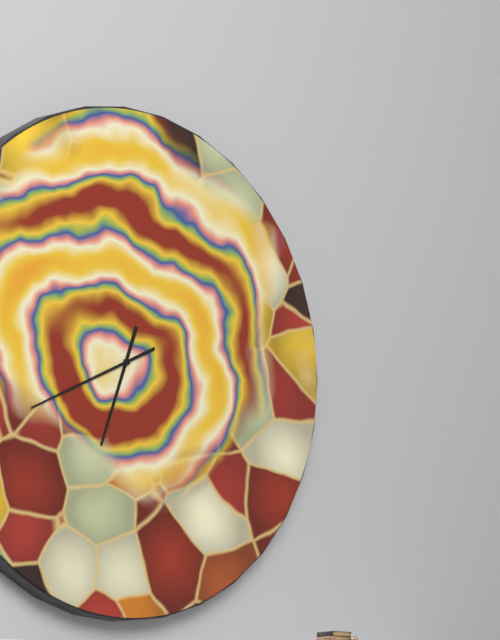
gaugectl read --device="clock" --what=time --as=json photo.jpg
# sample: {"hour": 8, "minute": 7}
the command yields {"hour": 6, "minute": 41}
